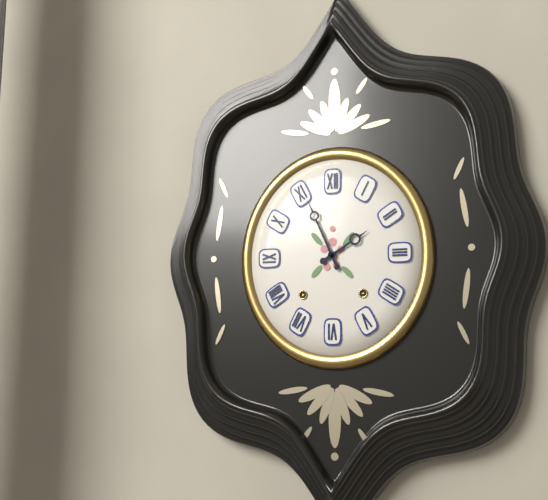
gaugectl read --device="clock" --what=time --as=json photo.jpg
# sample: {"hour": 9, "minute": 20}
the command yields {"hour": 1, "minute": 56}
